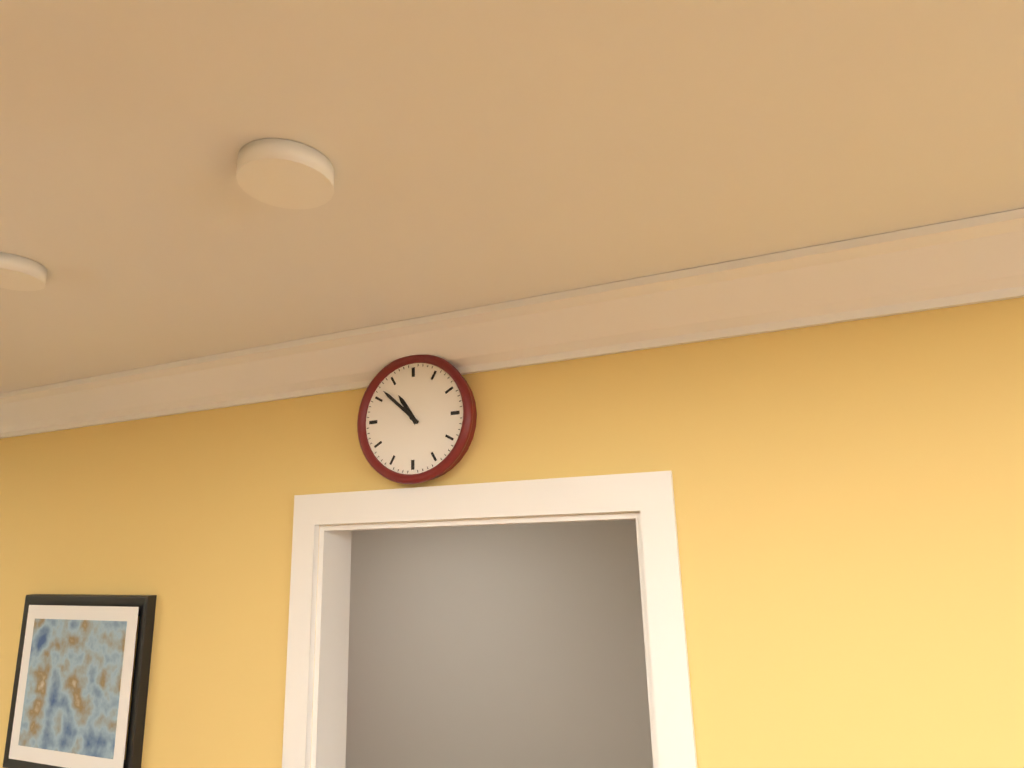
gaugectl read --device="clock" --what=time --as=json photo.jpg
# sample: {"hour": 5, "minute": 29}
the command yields {"hour": 10, "minute": 52}
